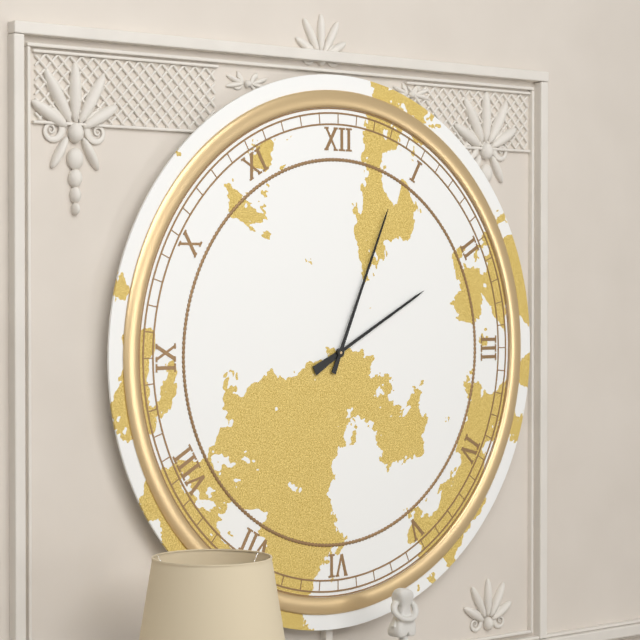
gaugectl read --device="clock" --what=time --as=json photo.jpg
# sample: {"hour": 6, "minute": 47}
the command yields {"hour": 2, "minute": 4}
